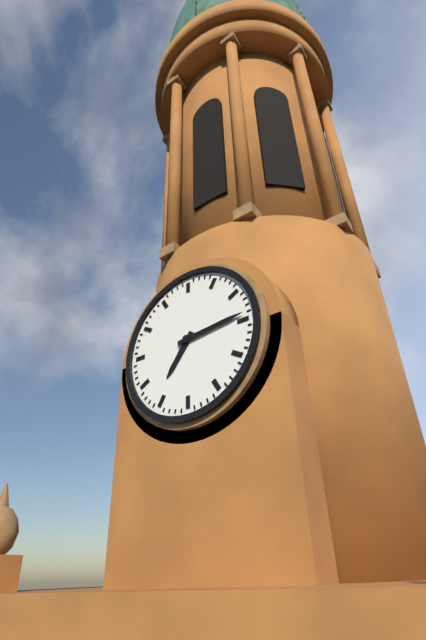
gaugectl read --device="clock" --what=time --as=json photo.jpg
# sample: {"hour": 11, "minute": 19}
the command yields {"hour": 7, "minute": 14}
